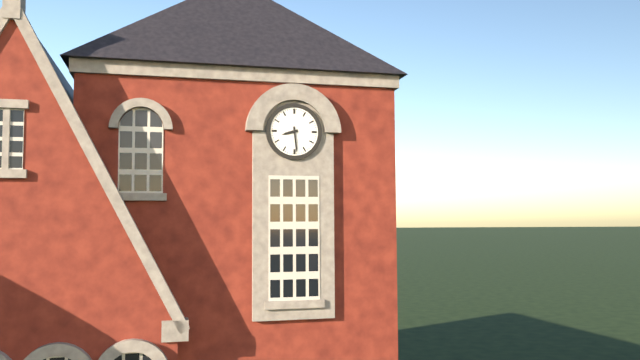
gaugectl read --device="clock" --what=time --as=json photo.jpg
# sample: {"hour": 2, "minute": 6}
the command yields {"hour": 8, "minute": 29}
